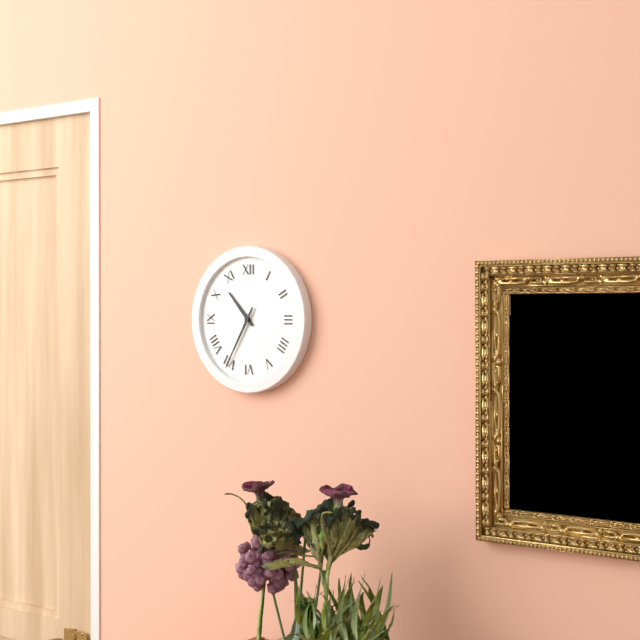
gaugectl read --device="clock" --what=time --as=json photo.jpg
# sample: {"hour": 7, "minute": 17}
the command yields {"hour": 10, "minute": 35}
